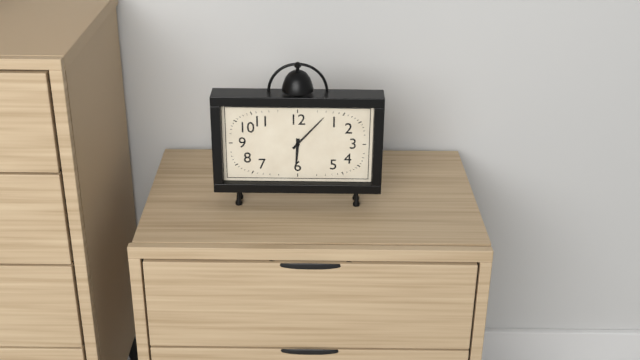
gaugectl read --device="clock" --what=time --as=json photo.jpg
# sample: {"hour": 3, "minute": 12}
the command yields {"hour": 6, "minute": 7}
